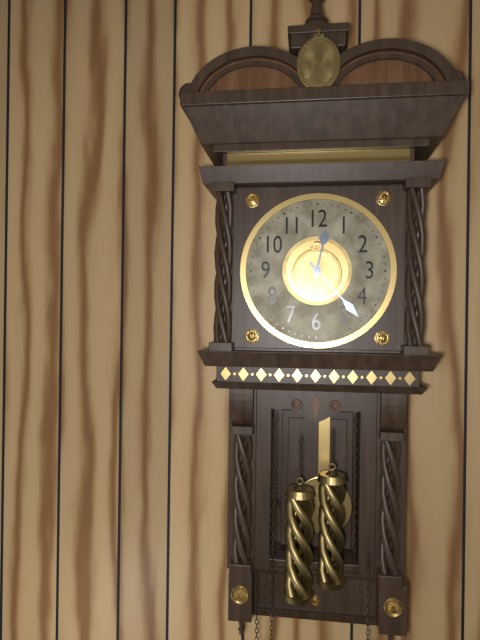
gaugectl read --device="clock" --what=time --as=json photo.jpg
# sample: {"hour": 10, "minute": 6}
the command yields {"hour": 12, "minute": 23}
